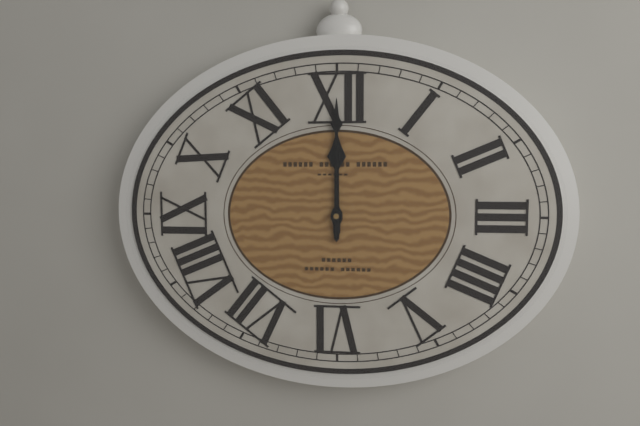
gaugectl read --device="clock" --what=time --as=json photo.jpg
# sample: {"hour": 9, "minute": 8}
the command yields {"hour": 12, "minute": 0}
